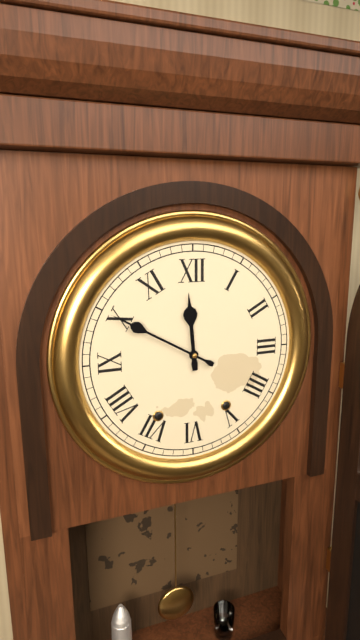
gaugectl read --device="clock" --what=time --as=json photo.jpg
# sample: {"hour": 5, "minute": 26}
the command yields {"hour": 11, "minute": 50}
